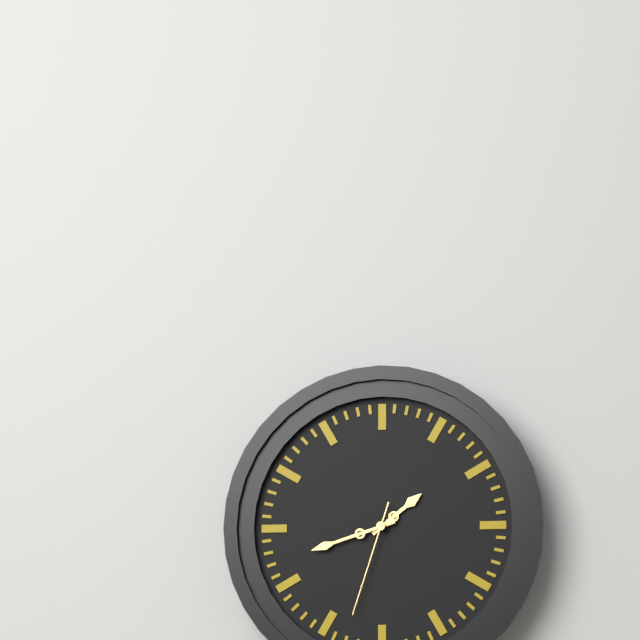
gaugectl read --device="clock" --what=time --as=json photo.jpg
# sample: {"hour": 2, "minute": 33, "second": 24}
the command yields {"hour": 1, "minute": 42, "second": 33}
